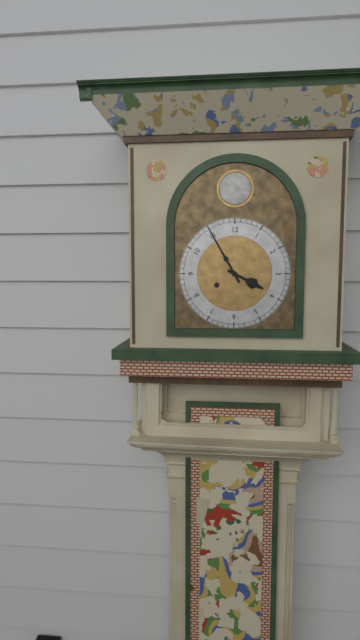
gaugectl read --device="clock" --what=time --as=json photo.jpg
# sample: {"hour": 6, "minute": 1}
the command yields {"hour": 3, "minute": 55}
